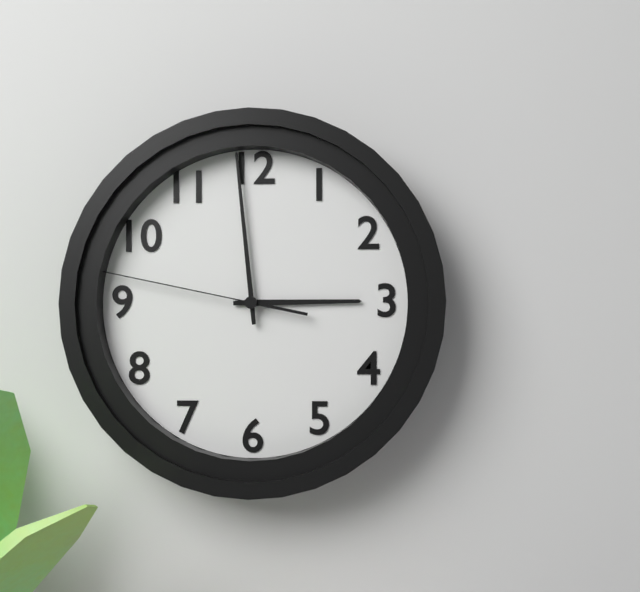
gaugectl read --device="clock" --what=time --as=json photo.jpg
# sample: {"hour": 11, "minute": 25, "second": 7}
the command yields {"hour": 2, "minute": 59, "second": 47}
